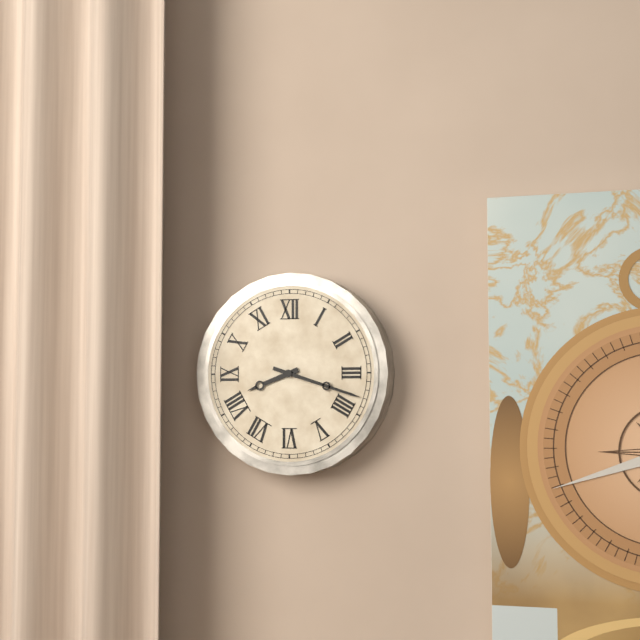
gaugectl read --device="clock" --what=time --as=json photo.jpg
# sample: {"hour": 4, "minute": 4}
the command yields {"hour": 8, "minute": 18}
